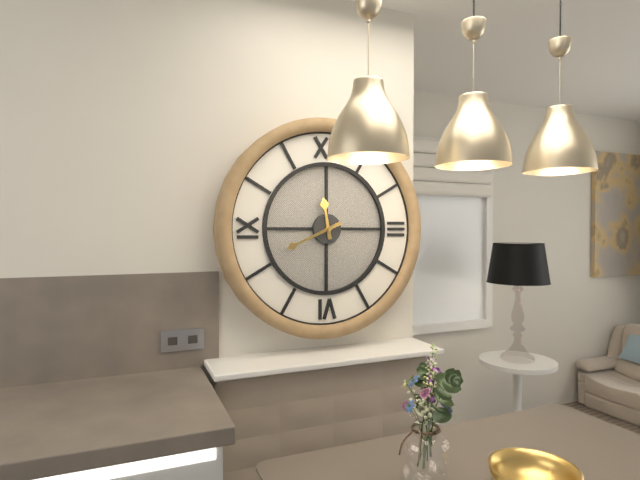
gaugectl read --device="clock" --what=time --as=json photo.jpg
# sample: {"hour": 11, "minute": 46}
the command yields {"hour": 11, "minute": 41}
